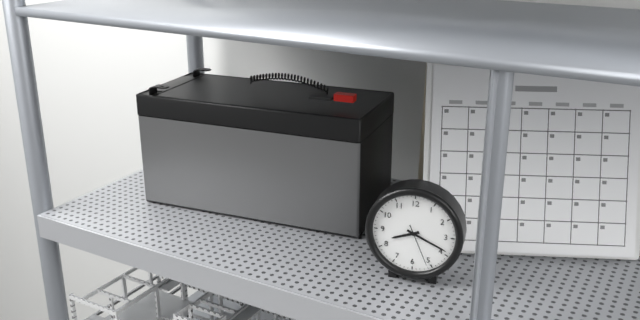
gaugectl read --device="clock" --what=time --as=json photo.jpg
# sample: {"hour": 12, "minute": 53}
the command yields {"hour": 8, "minute": 19}
